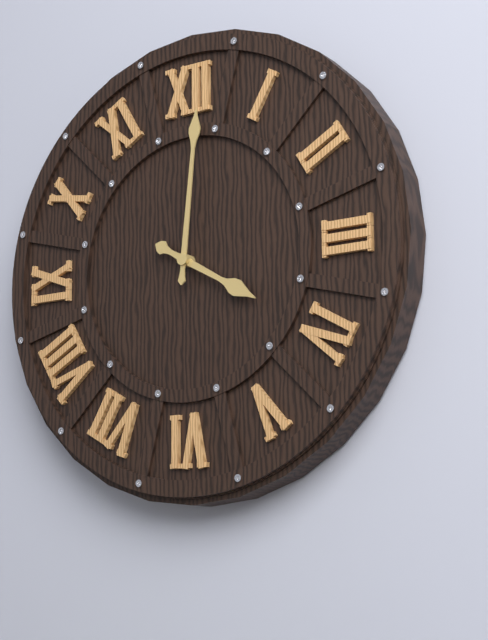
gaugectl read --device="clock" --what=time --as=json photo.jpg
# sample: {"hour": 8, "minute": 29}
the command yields {"hour": 4, "minute": 1}
